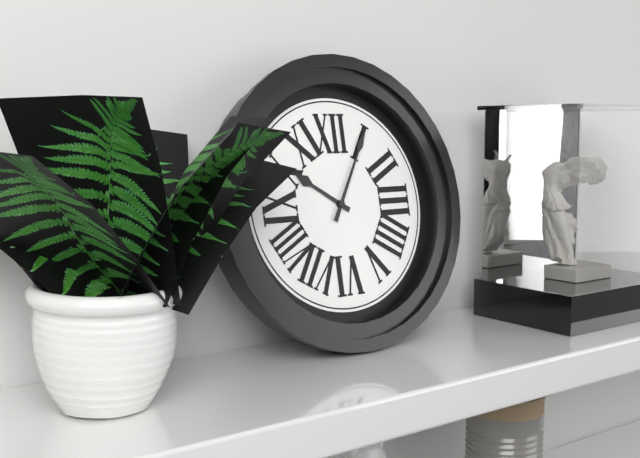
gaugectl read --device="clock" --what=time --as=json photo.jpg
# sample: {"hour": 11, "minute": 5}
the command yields {"hour": 10, "minute": 5}
